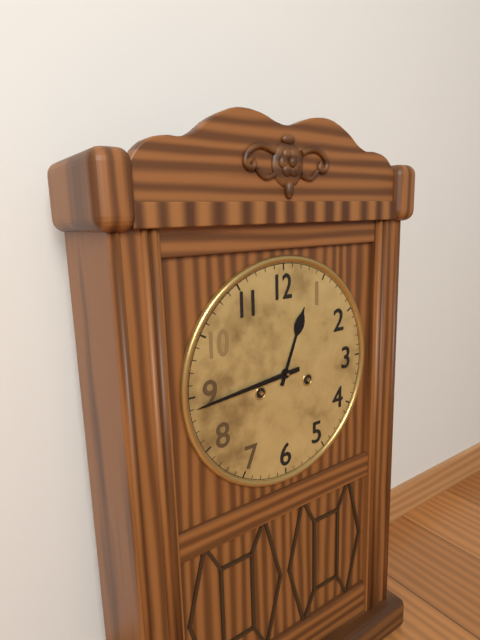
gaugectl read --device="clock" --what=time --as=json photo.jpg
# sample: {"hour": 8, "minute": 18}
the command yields {"hour": 12, "minute": 44}
